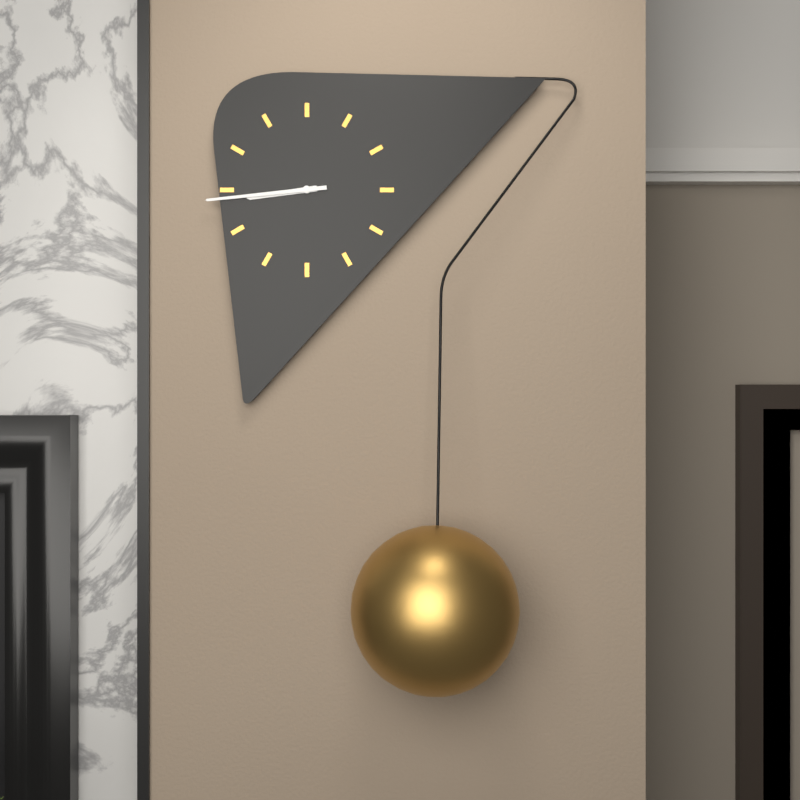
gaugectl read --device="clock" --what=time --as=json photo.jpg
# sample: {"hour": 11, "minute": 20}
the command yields {"hour": 8, "minute": 44}
